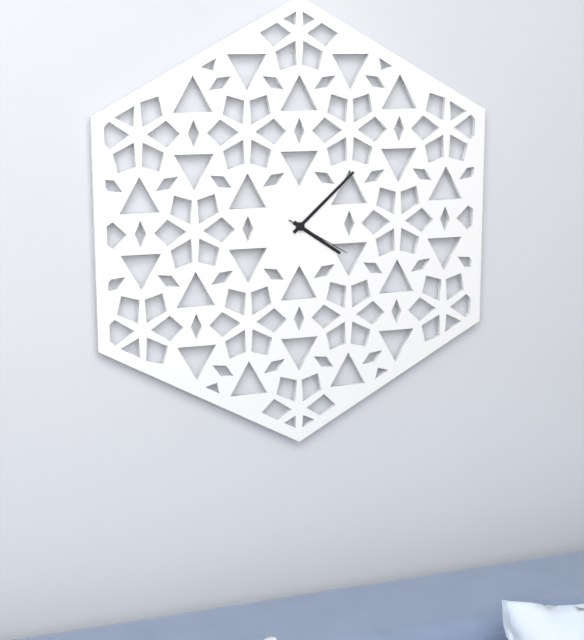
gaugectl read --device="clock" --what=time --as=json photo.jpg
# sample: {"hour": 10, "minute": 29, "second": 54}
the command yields {"hour": 4, "minute": 8, "second": 20}
